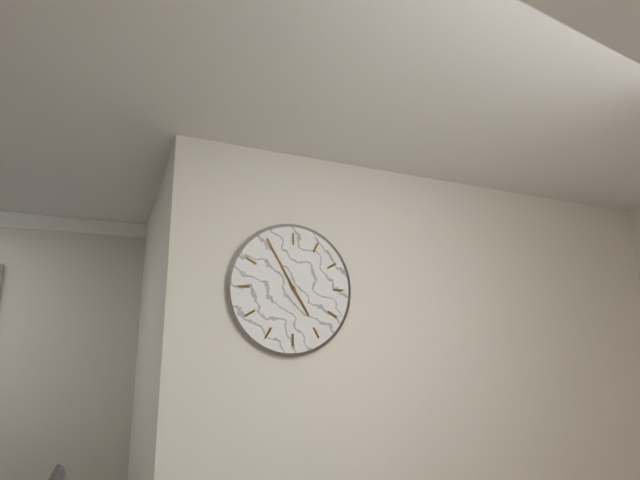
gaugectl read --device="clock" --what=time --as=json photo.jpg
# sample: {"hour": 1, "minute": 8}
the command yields {"hour": 4, "minute": 55}
